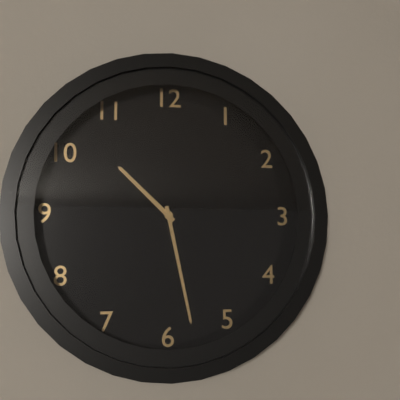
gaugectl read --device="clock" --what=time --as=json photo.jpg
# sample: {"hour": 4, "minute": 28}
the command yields {"hour": 10, "minute": 28}
